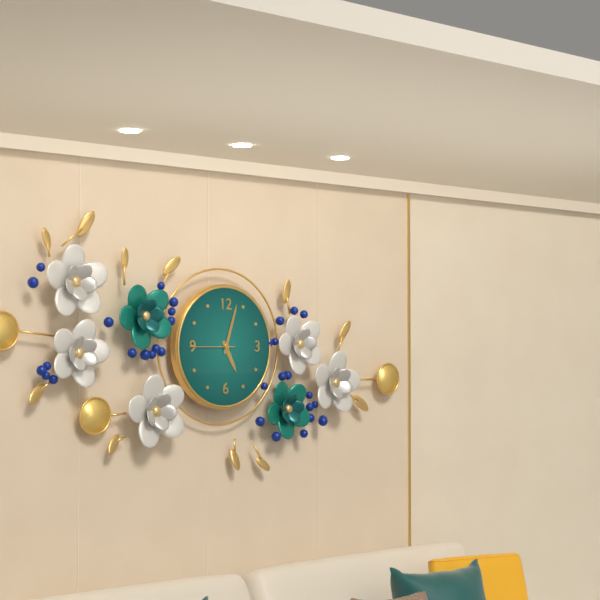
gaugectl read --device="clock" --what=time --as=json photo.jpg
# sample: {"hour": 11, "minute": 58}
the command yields {"hour": 5, "minute": 3}
